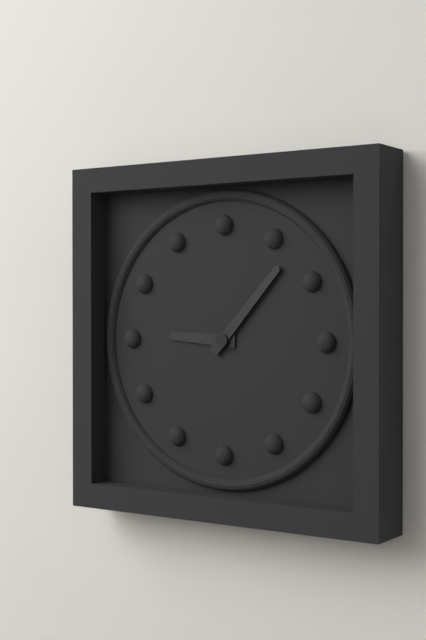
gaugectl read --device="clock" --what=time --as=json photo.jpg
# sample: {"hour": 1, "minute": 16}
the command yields {"hour": 9, "minute": 7}
